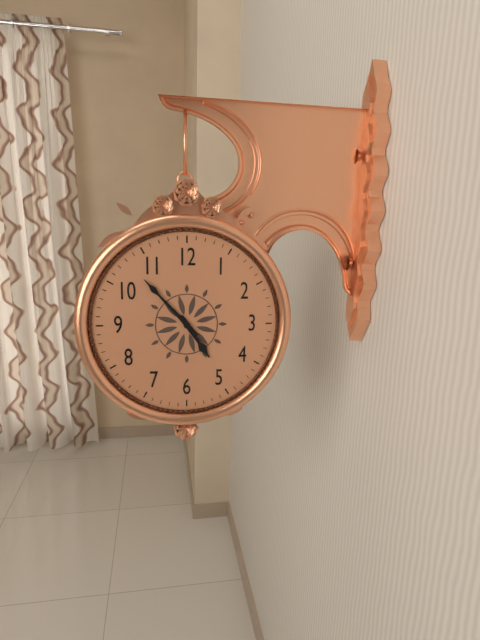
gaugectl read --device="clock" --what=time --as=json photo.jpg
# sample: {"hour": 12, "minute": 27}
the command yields {"hour": 4, "minute": 53}
